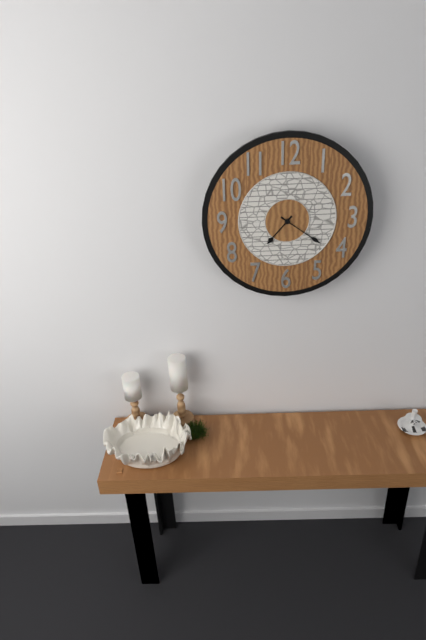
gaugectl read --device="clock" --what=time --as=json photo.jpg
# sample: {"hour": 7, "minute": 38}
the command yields {"hour": 7, "minute": 21}
